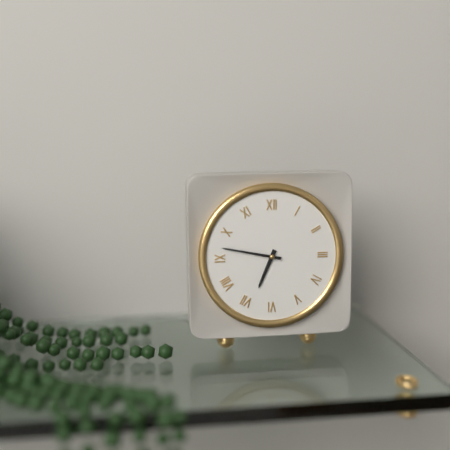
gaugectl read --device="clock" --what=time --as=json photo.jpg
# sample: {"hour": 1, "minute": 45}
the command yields {"hour": 6, "minute": 47}
